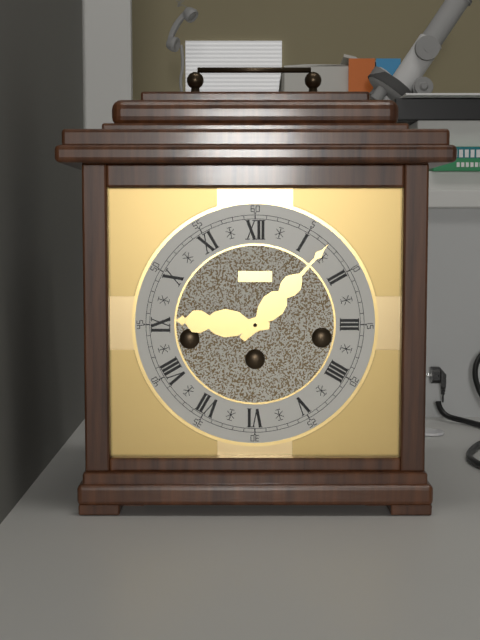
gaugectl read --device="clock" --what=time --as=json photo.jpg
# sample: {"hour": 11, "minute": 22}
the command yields {"hour": 9, "minute": 7}
